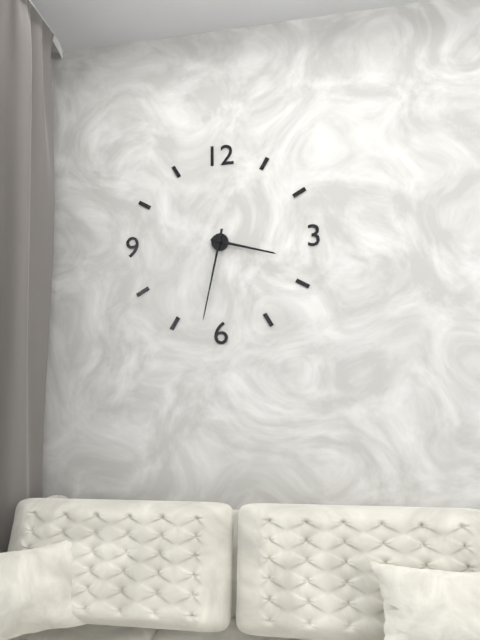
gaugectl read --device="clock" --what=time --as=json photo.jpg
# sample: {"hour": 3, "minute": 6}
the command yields {"hour": 3, "minute": 32}
